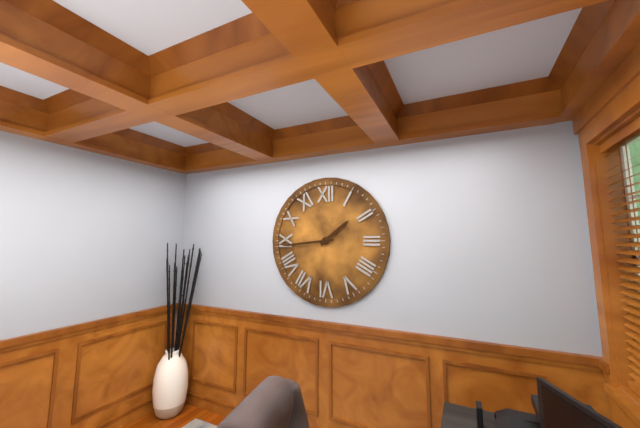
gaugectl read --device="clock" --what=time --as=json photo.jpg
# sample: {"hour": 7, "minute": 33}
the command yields {"hour": 1, "minute": 44}
